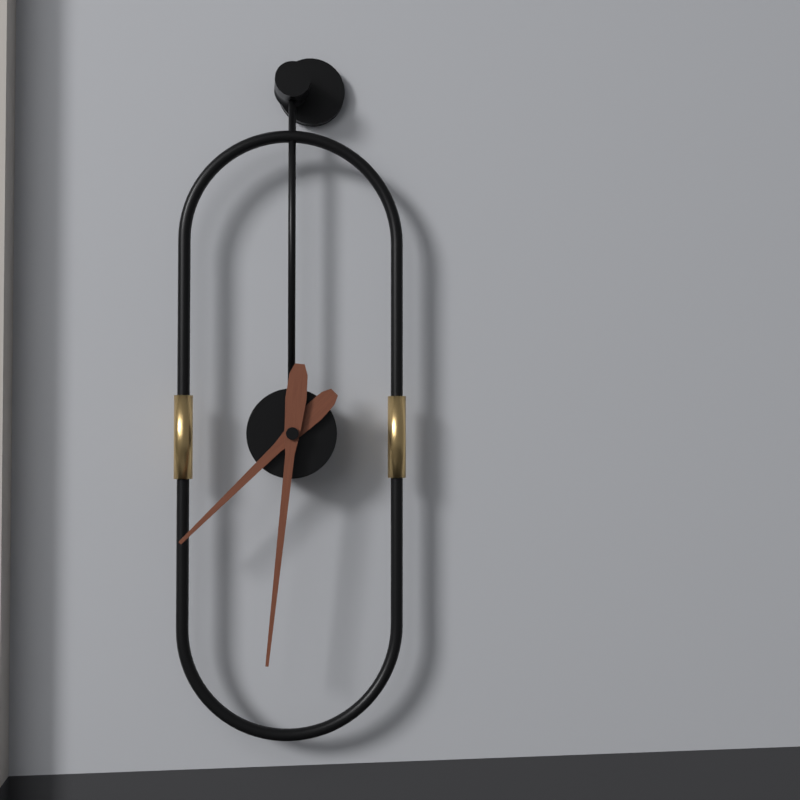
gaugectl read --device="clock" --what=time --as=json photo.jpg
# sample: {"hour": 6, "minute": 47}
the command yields {"hour": 7, "minute": 31}
